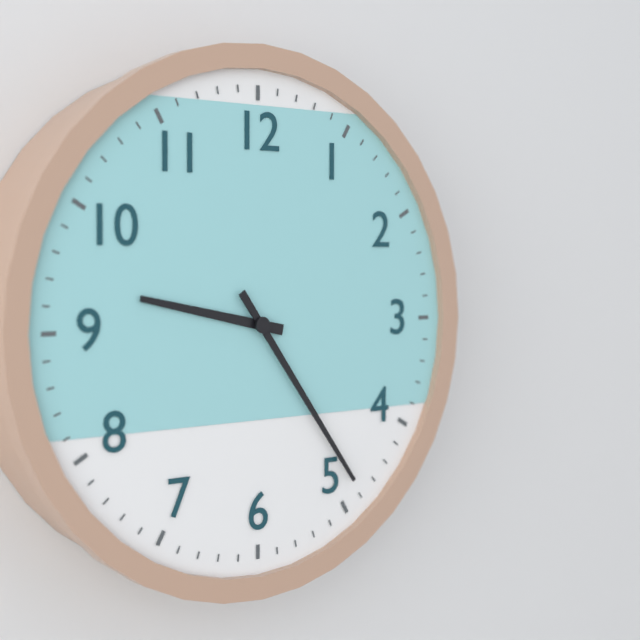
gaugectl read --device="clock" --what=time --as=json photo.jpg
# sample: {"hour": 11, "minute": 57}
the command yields {"hour": 9, "minute": 24}
